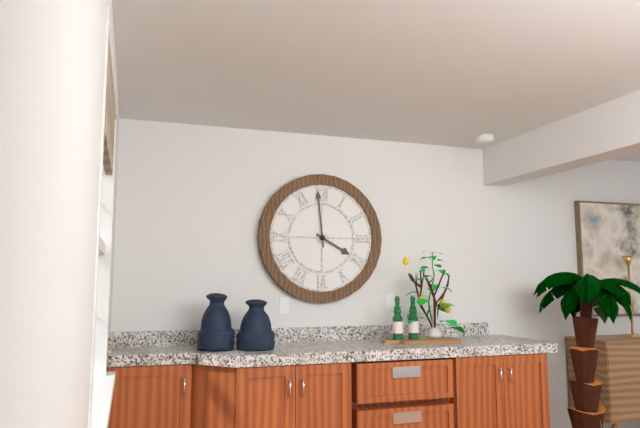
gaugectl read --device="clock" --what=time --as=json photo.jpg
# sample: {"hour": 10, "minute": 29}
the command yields {"hour": 3, "minute": 59}
